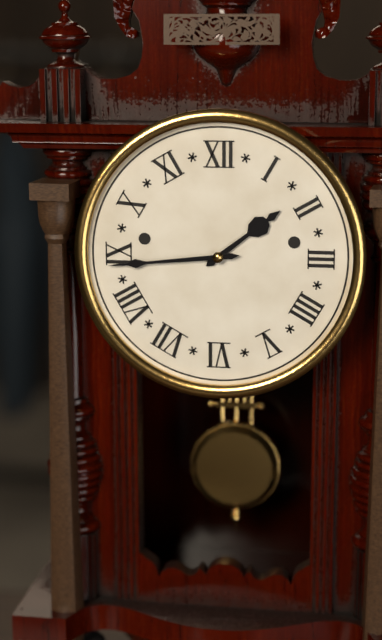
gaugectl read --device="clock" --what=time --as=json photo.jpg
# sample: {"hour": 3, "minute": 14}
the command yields {"hour": 1, "minute": 44}
